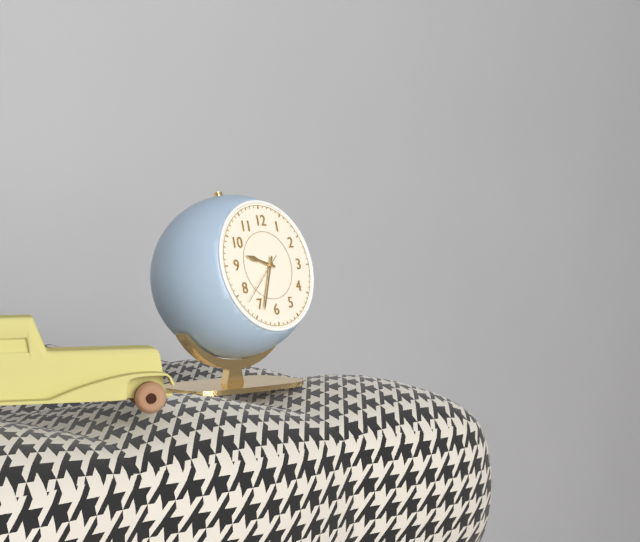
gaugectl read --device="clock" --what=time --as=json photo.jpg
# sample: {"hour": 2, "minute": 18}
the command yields {"hour": 9, "minute": 34}
